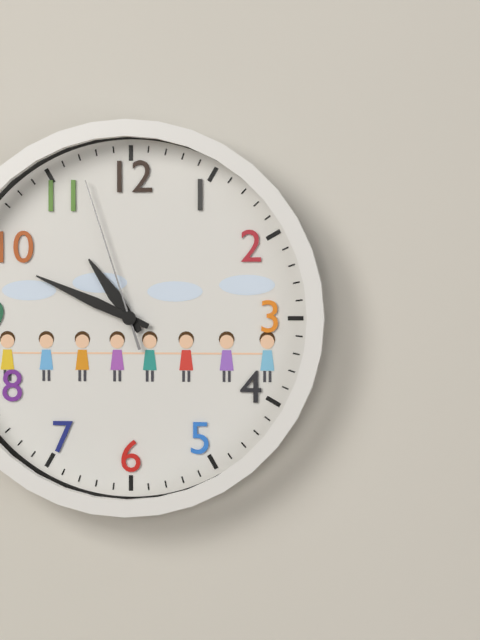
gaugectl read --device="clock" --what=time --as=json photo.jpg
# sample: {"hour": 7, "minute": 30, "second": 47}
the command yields {"hour": 10, "minute": 49, "second": 57}
